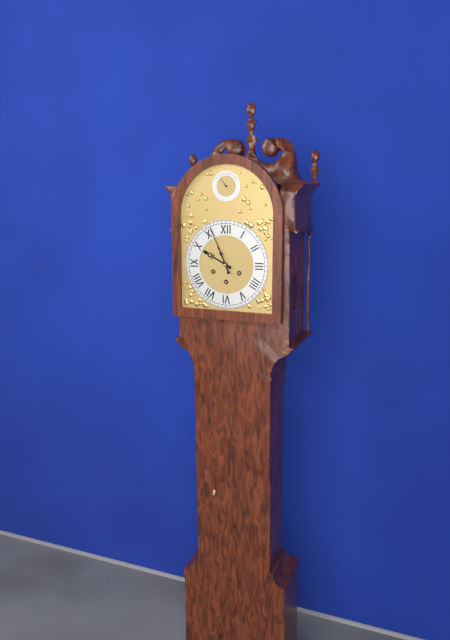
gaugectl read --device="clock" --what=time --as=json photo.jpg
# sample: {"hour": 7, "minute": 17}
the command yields {"hour": 9, "minute": 56}
